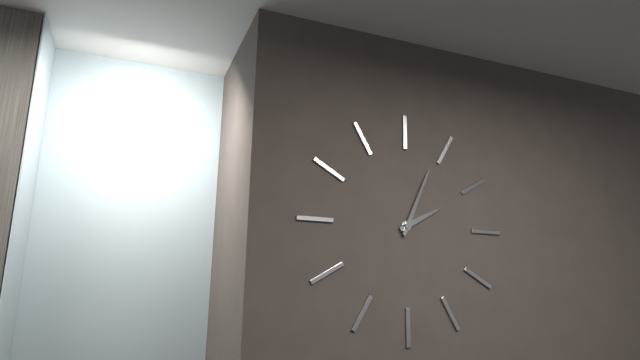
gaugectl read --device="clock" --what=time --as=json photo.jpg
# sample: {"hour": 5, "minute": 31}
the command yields {"hour": 2, "minute": 4}
